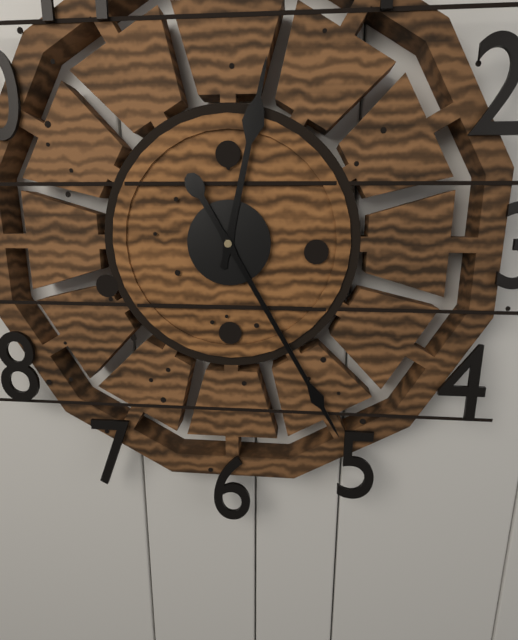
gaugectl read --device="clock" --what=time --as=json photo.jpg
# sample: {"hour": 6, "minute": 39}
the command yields {"hour": 12, "minute": 25}
